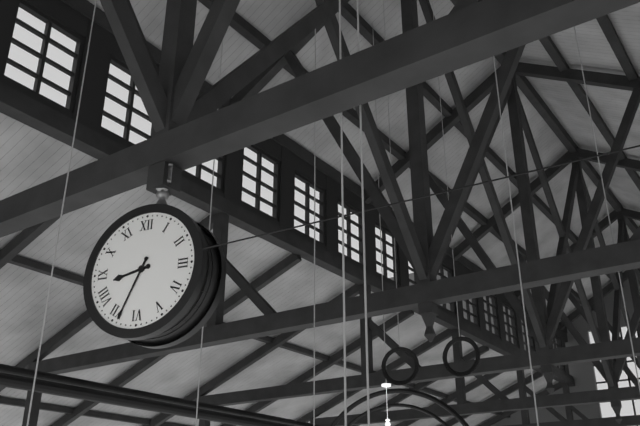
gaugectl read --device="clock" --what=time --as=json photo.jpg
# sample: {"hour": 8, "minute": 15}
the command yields {"hour": 8, "minute": 34}
